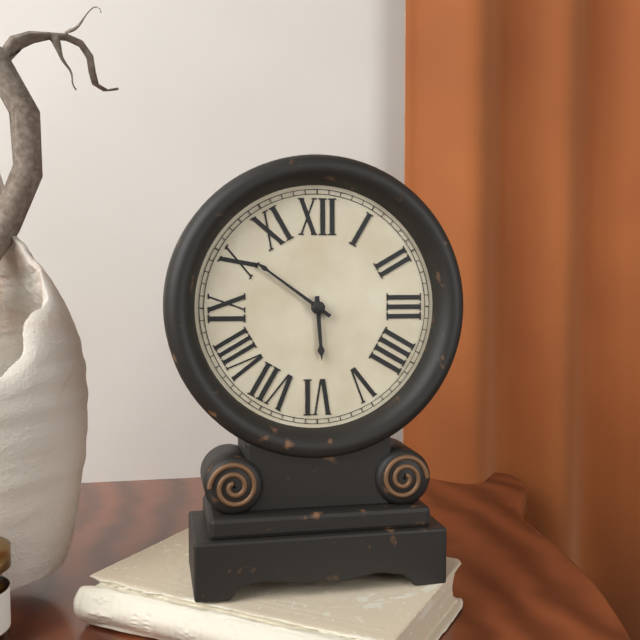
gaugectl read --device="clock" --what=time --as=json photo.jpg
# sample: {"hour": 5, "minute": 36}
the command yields {"hour": 5, "minute": 51}
